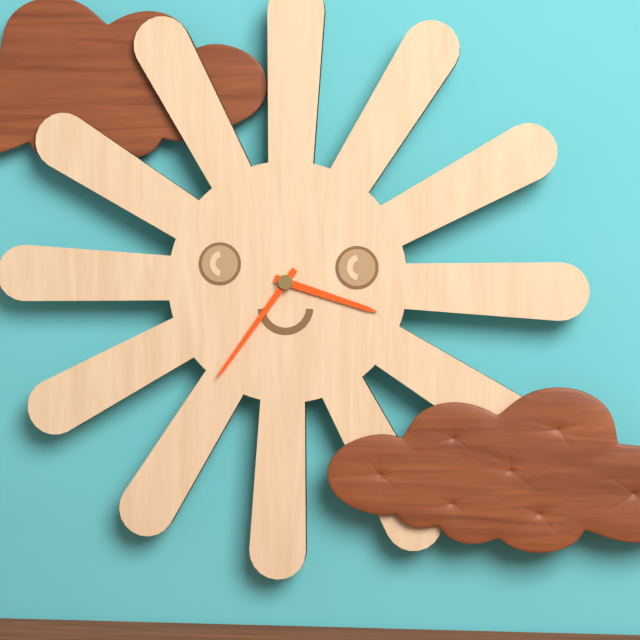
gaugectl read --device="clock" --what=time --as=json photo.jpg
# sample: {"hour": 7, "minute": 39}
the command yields {"hour": 3, "minute": 36}
